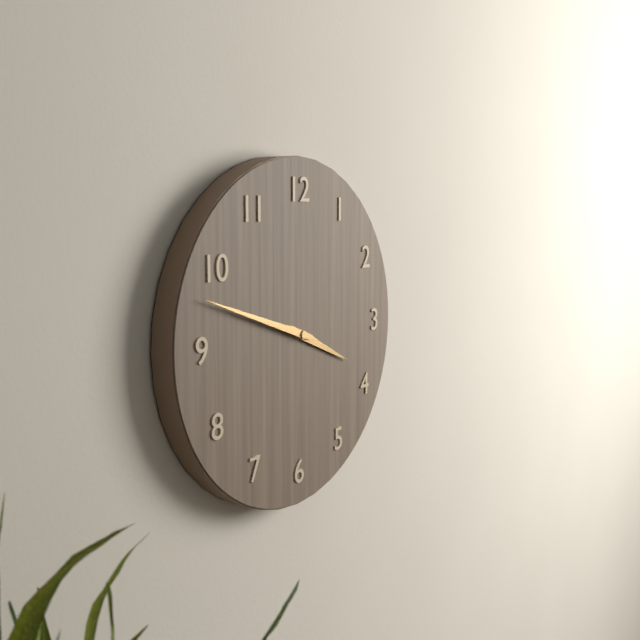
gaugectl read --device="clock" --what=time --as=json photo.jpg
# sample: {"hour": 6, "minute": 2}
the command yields {"hour": 3, "minute": 48}
